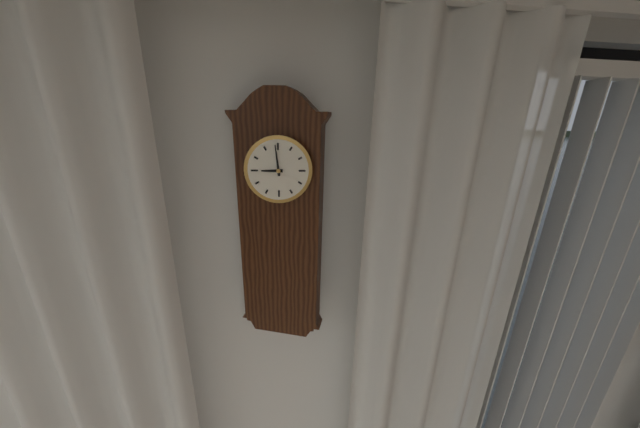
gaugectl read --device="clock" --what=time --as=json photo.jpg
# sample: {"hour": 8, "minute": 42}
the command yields {"hour": 8, "minute": 59}
